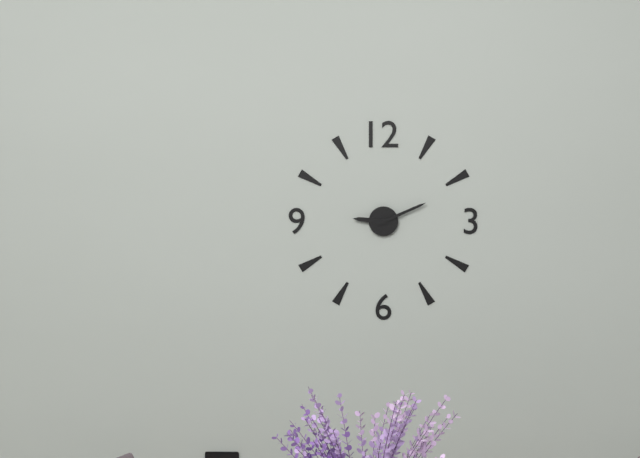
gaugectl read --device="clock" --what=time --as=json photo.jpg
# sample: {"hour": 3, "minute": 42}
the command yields {"hour": 9, "minute": 11}
